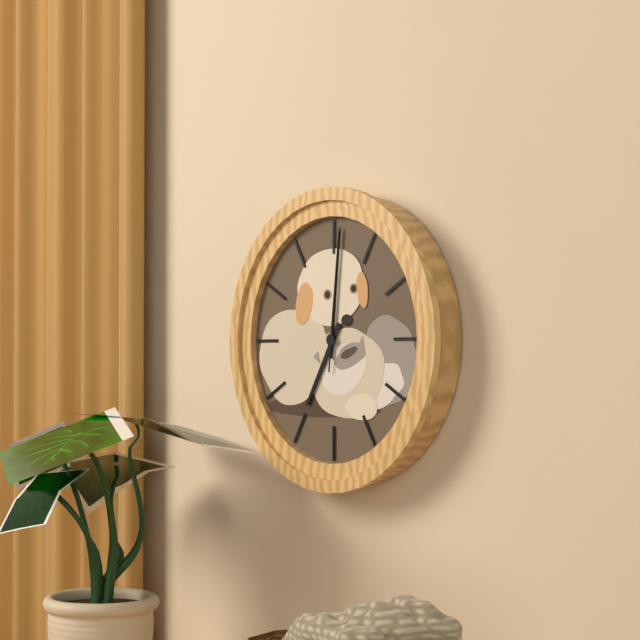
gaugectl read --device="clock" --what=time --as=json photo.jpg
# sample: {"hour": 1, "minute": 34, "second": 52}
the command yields {"hour": 7, "minute": 1, "second": 1}
